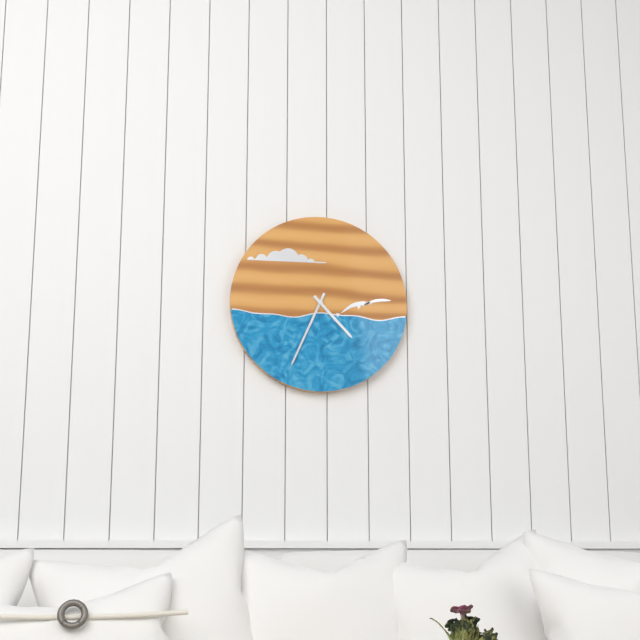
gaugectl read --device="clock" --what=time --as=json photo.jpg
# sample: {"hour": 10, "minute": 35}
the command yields {"hour": 4, "minute": 34}
